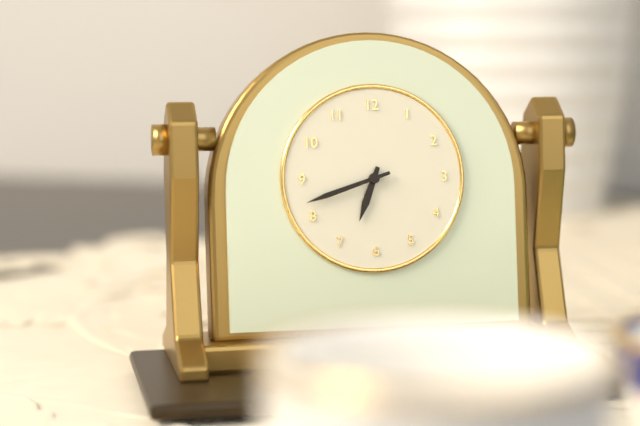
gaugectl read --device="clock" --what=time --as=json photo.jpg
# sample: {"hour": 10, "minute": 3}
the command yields {"hour": 6, "minute": 42}
